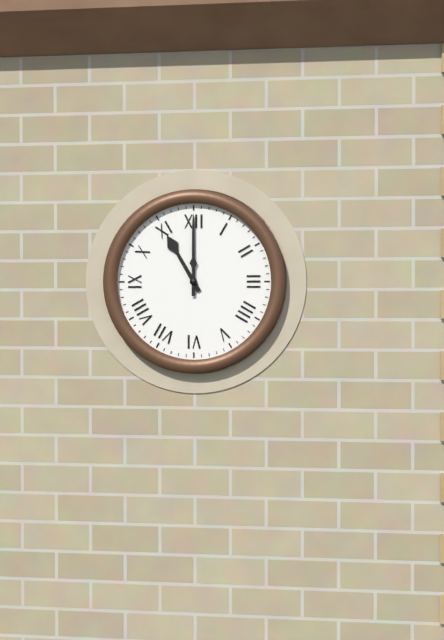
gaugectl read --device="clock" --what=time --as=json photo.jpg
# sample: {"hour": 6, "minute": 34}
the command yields {"hour": 11, "minute": 0}
